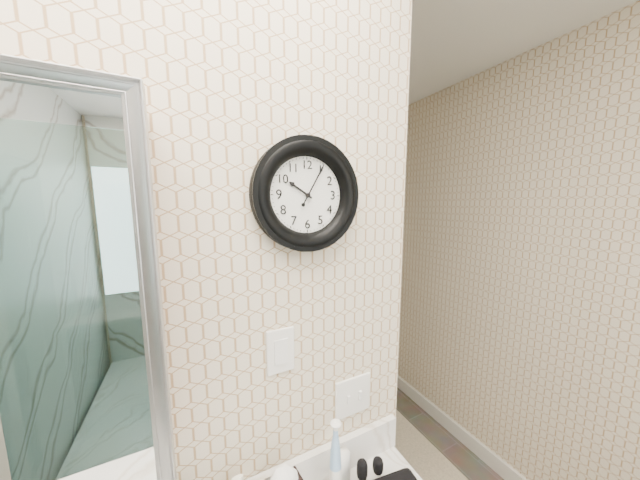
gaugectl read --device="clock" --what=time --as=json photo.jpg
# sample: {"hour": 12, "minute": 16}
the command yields {"hour": 10, "minute": 5}
